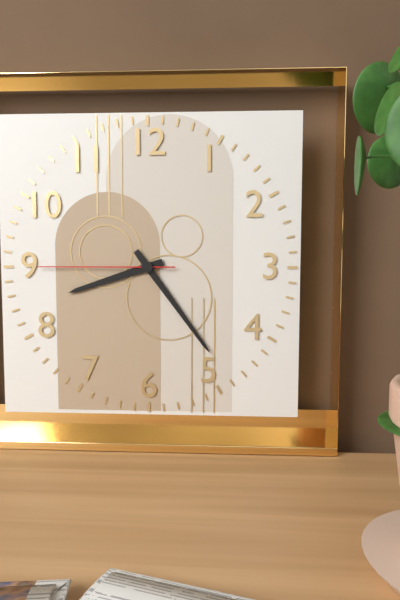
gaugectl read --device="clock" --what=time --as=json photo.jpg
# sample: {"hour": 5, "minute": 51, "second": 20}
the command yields {"hour": 8, "minute": 24, "second": 45}
